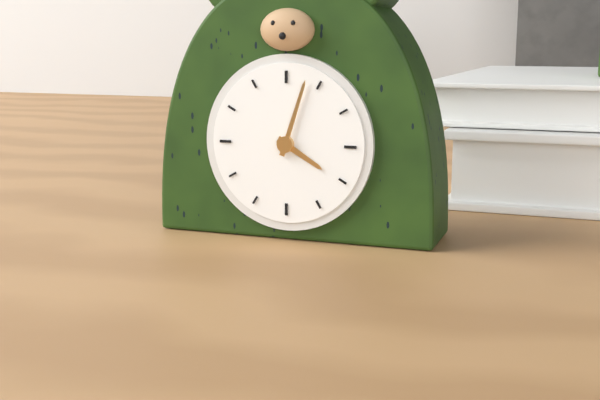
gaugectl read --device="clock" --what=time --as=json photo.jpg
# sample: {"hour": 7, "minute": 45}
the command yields {"hour": 4, "minute": 3}
